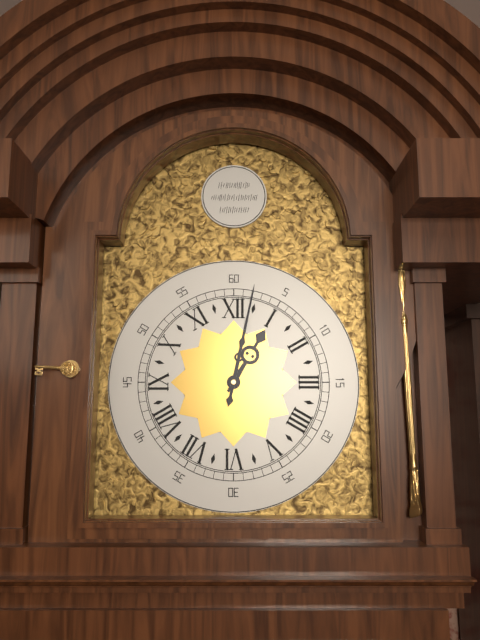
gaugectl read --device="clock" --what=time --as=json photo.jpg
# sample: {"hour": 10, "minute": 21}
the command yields {"hour": 1, "minute": 2}
